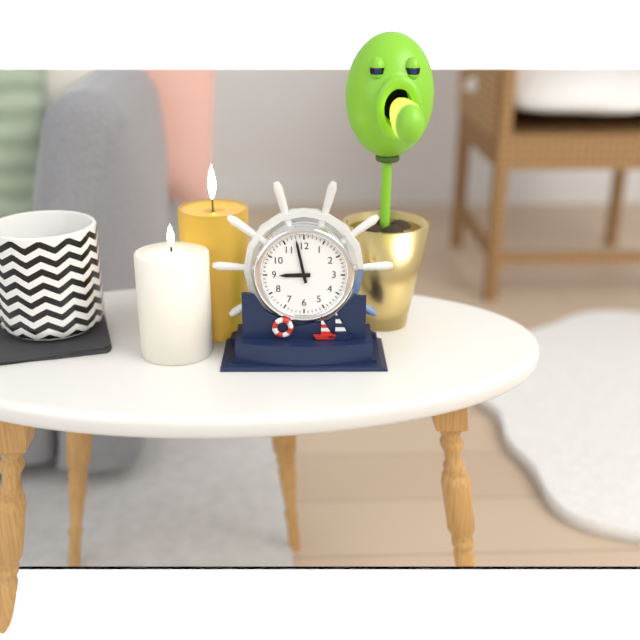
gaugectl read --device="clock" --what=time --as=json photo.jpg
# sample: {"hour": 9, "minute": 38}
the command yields {"hour": 8, "minute": 58}
